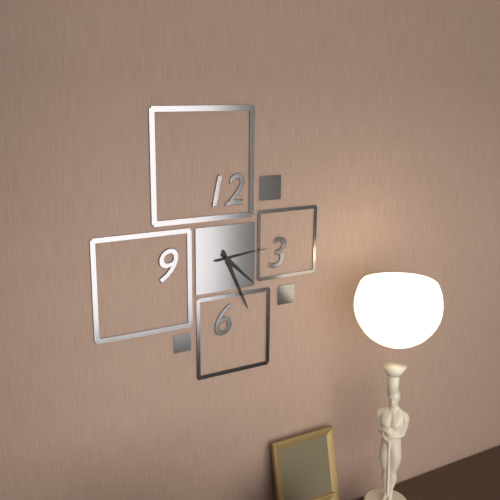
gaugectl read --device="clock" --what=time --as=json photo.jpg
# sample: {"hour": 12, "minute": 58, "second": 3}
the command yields {"hour": 4, "minute": 26, "second": 14}
